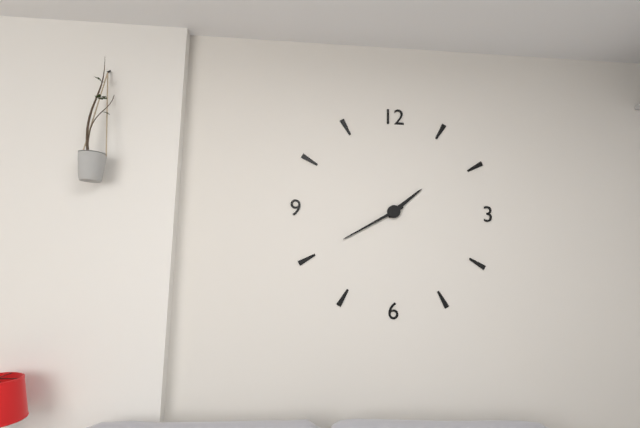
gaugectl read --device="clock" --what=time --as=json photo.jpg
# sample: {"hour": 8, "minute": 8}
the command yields {"hour": 1, "minute": 40}
